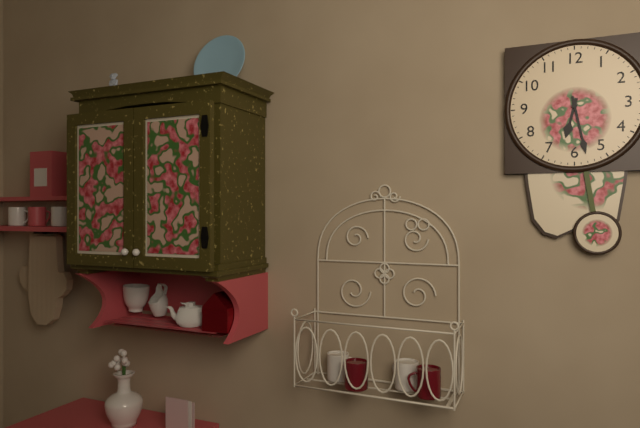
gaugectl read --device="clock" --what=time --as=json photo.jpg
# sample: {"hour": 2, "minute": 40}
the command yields {"hour": 6, "minute": 28}
